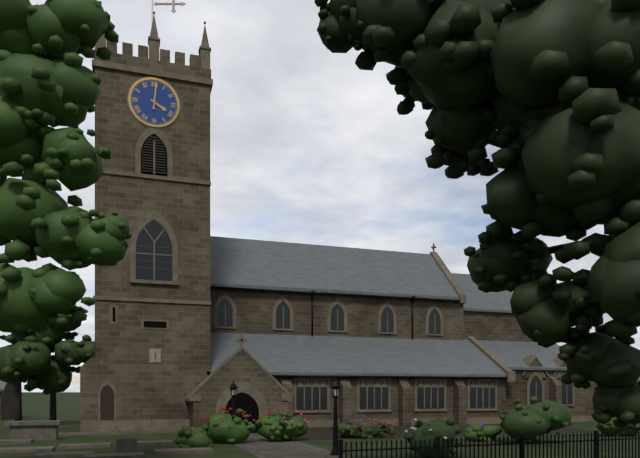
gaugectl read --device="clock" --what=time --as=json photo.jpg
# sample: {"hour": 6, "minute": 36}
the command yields {"hour": 4, "minute": 1}
